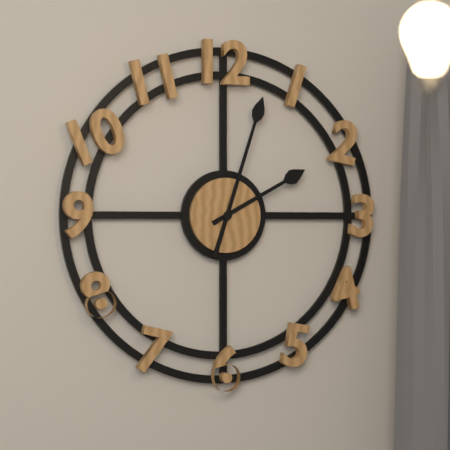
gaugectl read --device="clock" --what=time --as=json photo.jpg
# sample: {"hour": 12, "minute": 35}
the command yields {"hour": 2, "minute": 3}
